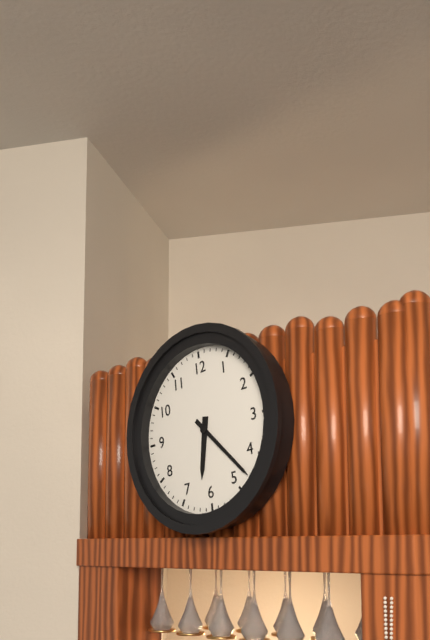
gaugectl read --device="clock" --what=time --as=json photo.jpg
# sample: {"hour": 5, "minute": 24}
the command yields {"hour": 6, "minute": 23}
